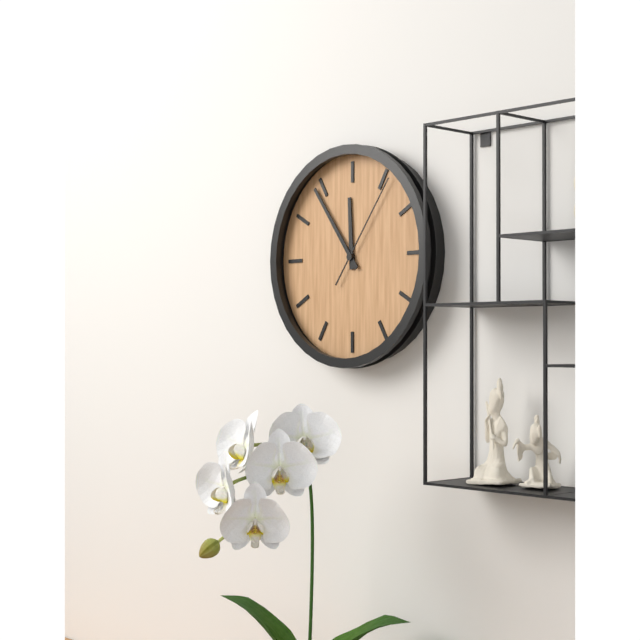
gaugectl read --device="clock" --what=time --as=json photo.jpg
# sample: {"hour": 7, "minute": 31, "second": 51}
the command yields {"hour": 11, "minute": 54, "second": 6}
